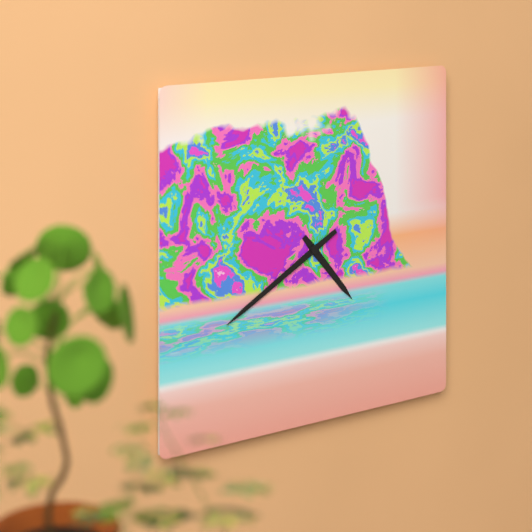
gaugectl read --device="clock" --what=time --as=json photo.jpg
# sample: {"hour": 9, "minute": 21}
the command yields {"hour": 4, "minute": 40}
